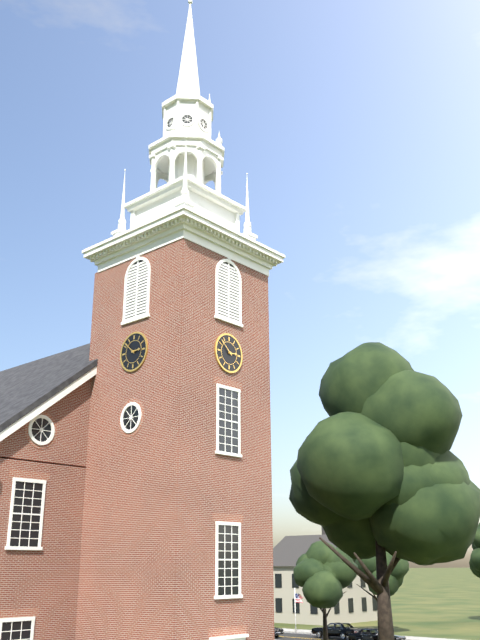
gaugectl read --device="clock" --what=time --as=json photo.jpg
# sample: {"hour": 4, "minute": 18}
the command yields {"hour": 2, "minute": 52}
